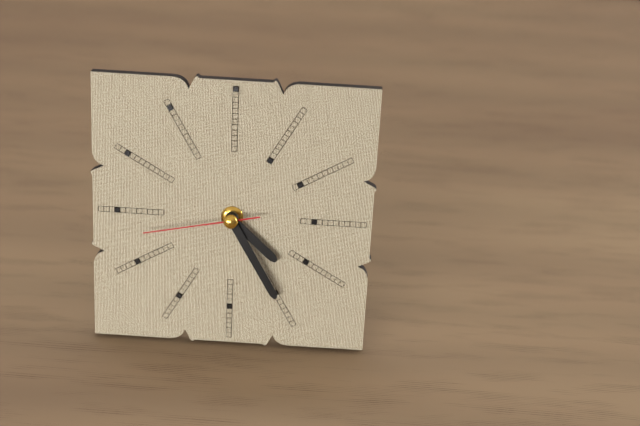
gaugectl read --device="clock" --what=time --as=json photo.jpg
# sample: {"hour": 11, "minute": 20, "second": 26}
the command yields {"hour": 4, "minute": 25, "second": 43}
